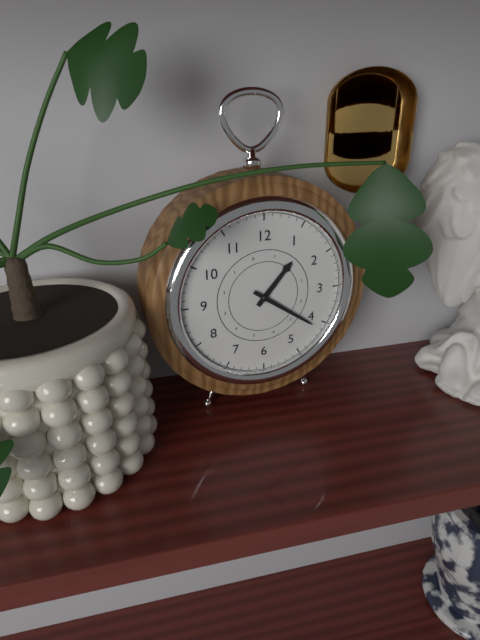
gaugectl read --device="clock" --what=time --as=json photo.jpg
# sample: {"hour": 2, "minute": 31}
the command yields {"hour": 1, "minute": 21}
